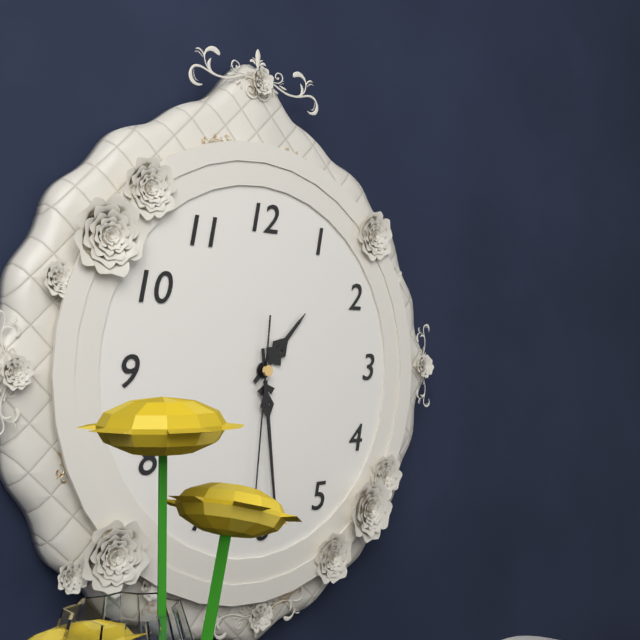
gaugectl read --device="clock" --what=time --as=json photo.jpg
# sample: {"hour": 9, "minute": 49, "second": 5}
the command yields {"hour": 1, "minute": 29, "second": 31}
